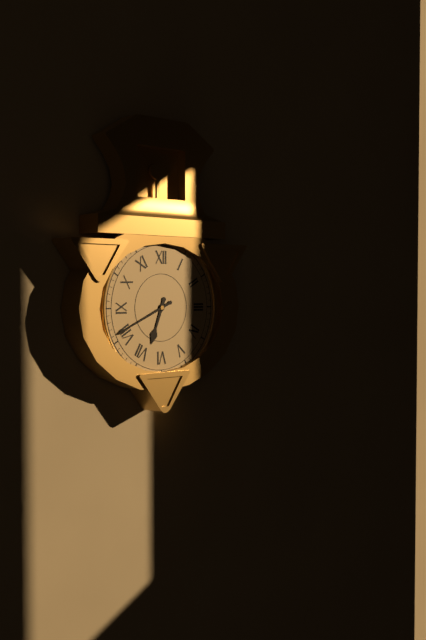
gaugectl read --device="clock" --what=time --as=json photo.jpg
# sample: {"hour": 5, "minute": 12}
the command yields {"hour": 6, "minute": 41}
